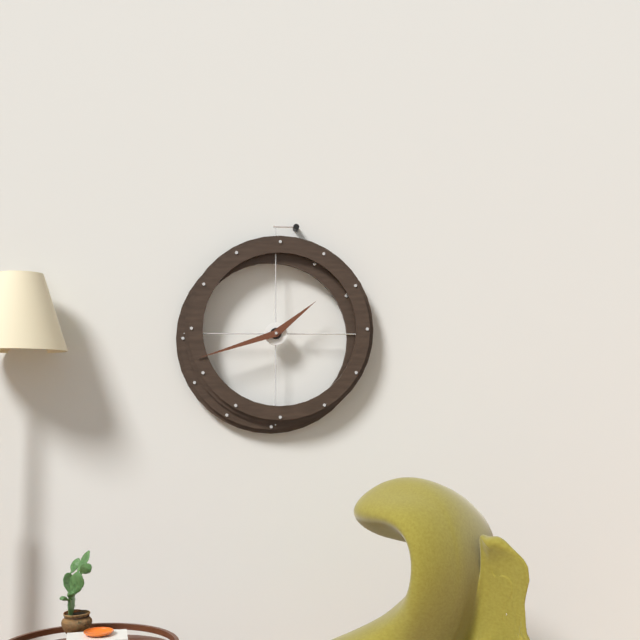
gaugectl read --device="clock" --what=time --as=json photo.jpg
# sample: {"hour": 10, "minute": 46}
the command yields {"hour": 1, "minute": 42}
